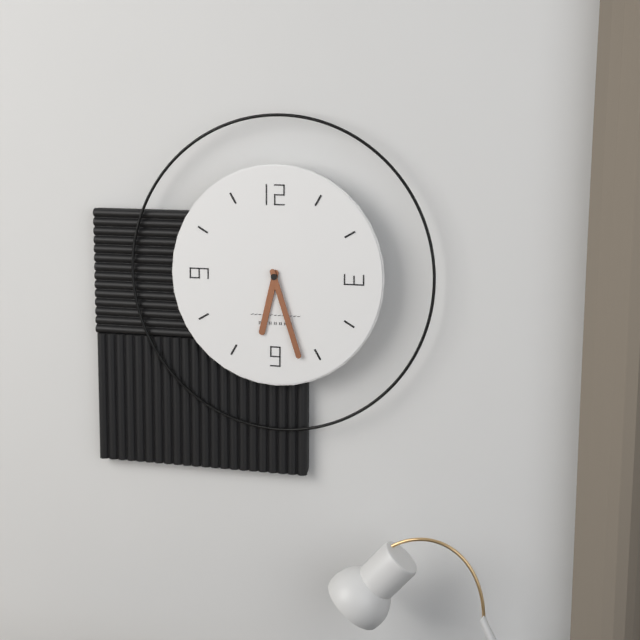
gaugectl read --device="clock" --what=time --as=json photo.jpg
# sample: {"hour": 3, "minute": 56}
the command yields {"hour": 6, "minute": 27}
